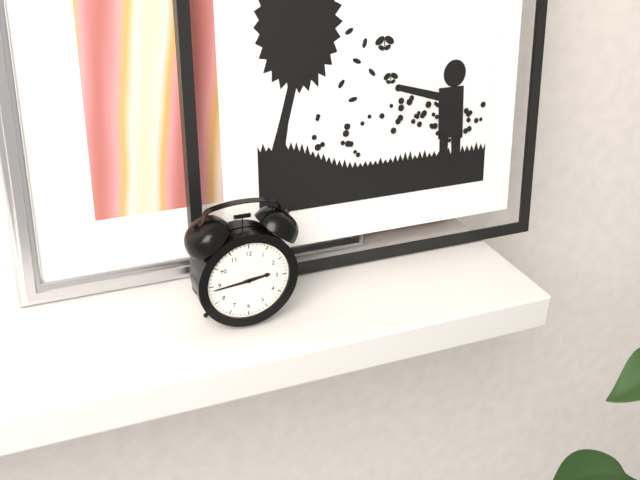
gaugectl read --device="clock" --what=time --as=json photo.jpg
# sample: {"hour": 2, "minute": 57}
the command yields {"hour": 2, "minute": 44}
